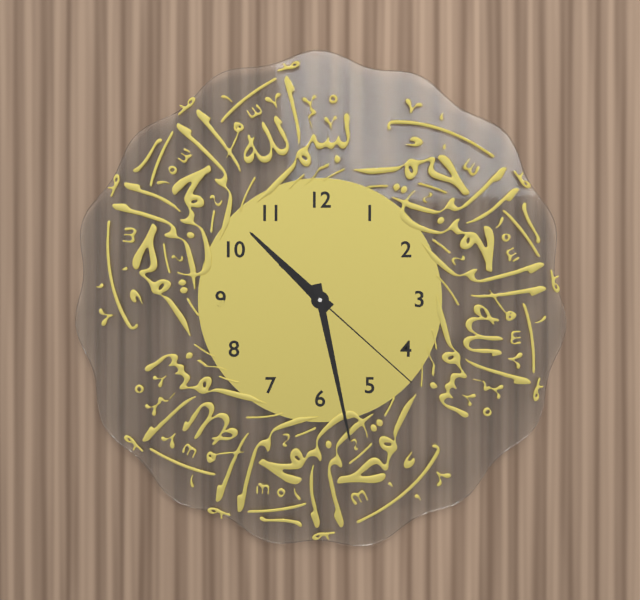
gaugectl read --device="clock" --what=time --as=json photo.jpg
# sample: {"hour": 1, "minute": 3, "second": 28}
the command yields {"hour": 10, "minute": 28, "second": 22}
